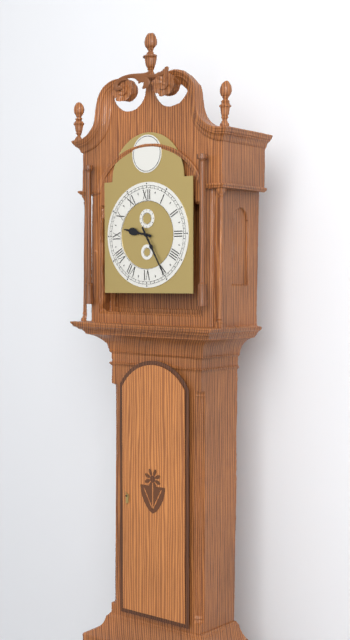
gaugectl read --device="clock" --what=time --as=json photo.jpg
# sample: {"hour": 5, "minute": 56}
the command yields {"hour": 9, "minute": 25}
